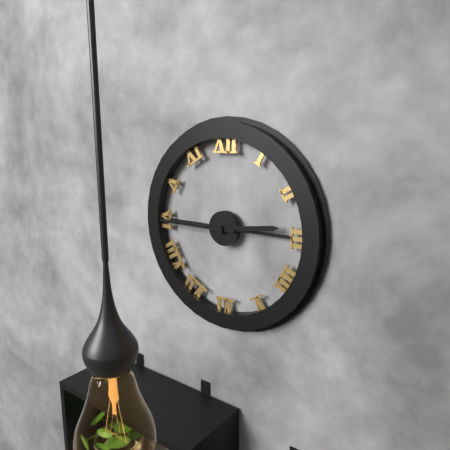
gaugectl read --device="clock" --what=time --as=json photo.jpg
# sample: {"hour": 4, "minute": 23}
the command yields {"hour": 2, "minute": 45}
